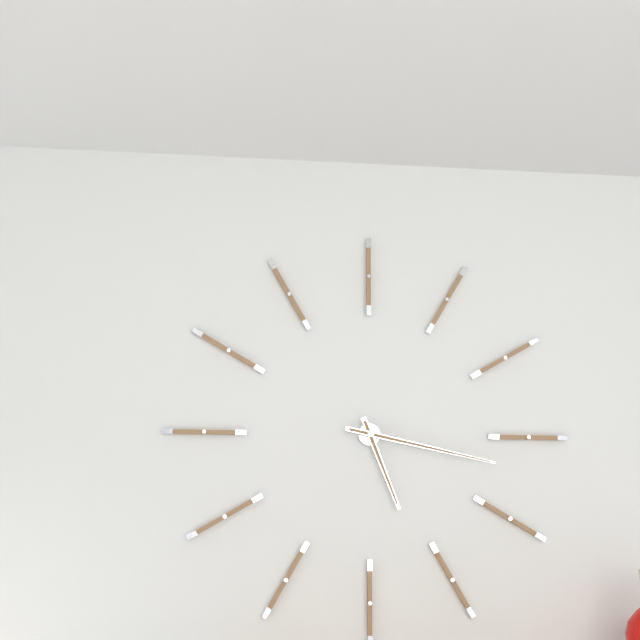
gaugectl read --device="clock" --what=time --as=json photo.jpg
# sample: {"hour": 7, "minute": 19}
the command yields {"hour": 5, "minute": 17}
